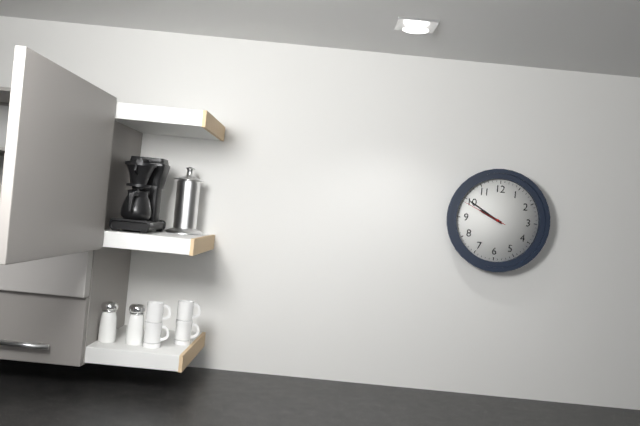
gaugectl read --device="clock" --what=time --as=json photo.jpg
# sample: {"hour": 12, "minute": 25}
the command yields {"hour": 9, "minute": 50}
